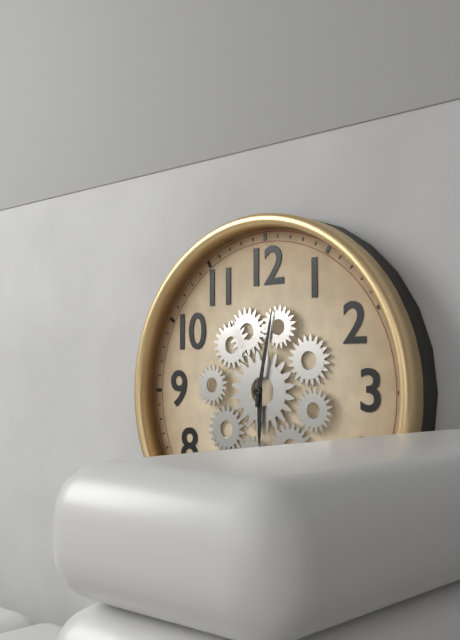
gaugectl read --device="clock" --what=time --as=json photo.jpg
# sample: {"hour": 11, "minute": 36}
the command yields {"hour": 6, "minute": 2}
